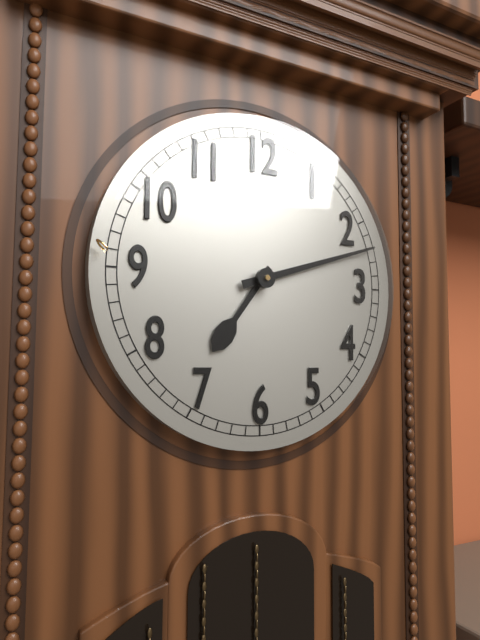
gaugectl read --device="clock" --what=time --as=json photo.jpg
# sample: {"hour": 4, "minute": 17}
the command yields {"hour": 7, "minute": 12}
